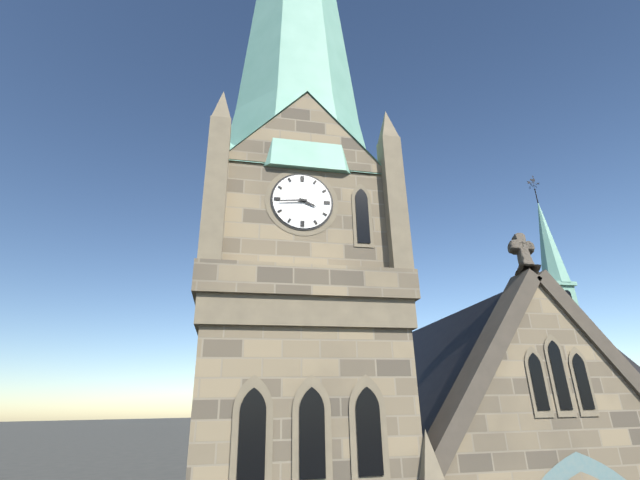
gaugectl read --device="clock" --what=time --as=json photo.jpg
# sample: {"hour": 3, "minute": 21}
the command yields {"hour": 3, "minute": 44}
